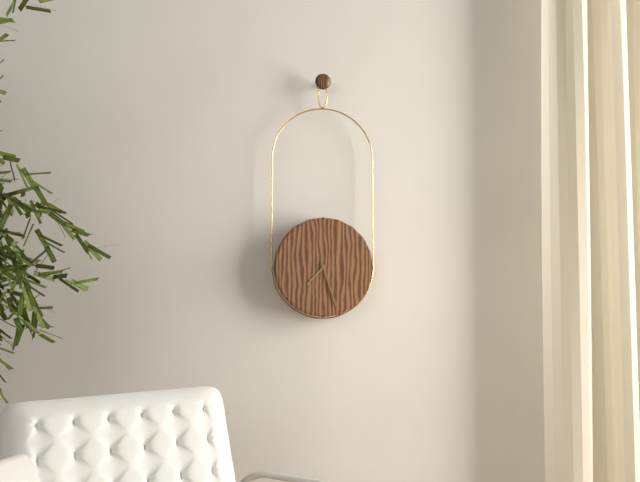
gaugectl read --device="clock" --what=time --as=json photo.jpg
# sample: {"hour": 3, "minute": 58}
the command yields {"hour": 7, "minute": 27}
